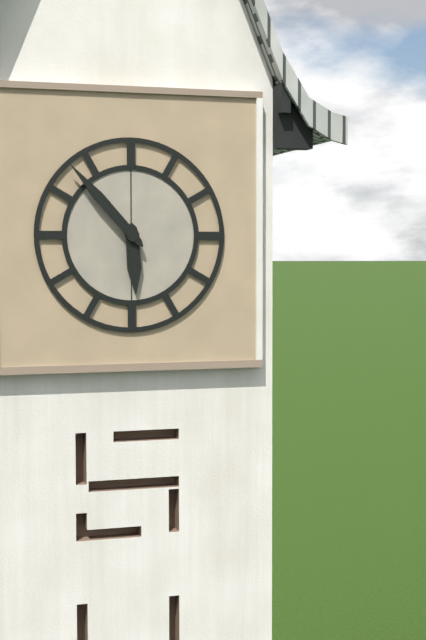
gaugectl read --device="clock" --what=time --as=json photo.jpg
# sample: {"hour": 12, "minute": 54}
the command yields {"hour": 5, "minute": 53}
